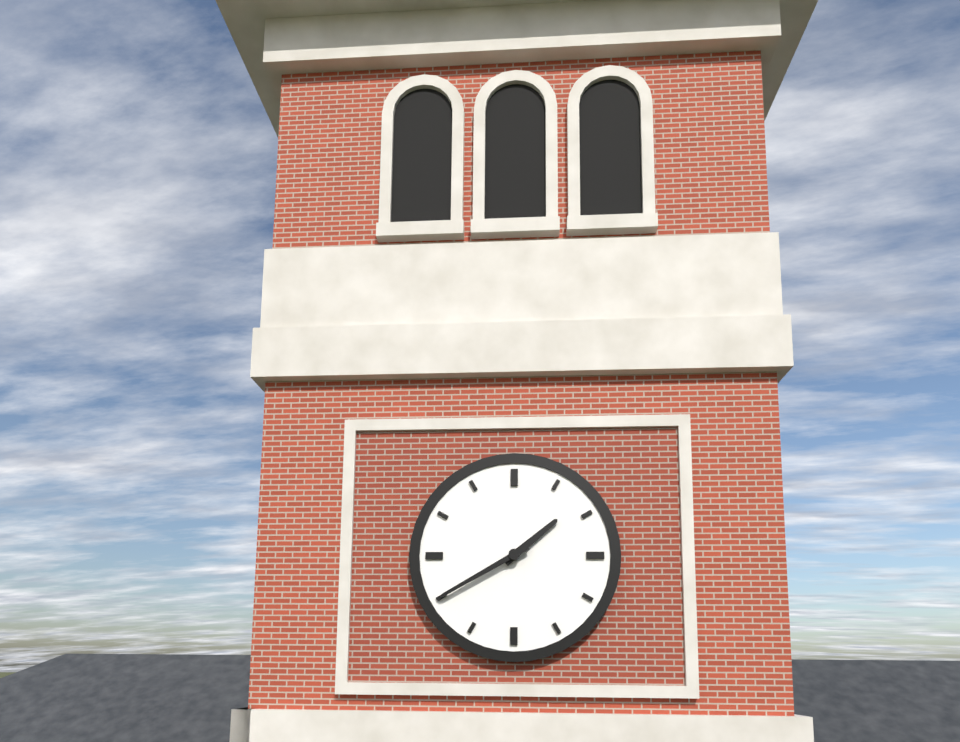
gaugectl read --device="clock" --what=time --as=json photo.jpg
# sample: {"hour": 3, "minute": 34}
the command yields {"hour": 1, "minute": 40}
